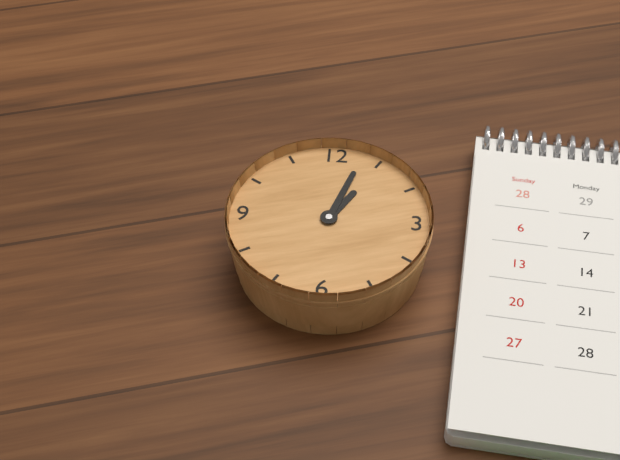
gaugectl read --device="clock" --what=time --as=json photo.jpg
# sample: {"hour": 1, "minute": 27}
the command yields {"hour": 1, "minute": 3}
